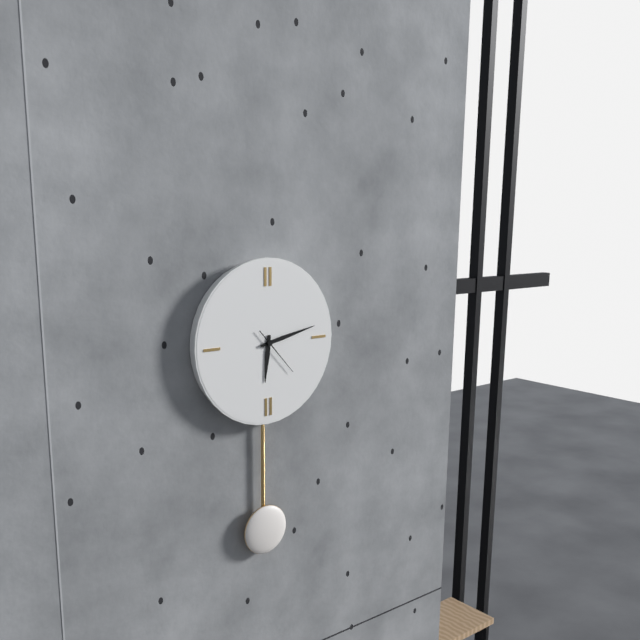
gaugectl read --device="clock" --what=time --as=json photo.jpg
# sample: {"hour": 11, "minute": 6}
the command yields {"hour": 6, "minute": 13}
